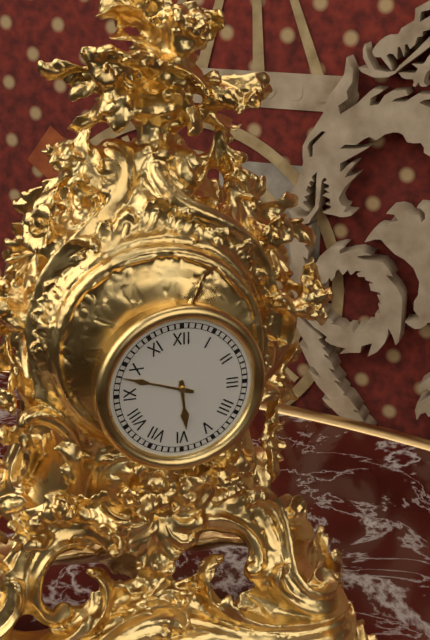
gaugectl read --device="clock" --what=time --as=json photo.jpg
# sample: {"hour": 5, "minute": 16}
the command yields {"hour": 5, "minute": 48}
